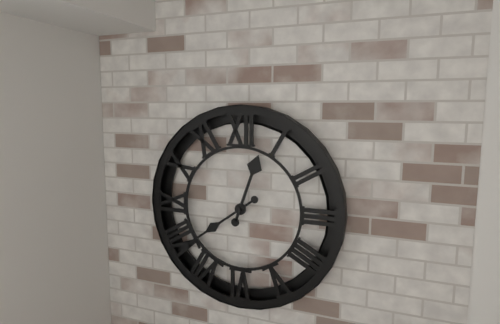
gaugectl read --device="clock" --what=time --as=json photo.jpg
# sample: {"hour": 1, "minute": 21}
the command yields {"hour": 12, "minute": 39}
